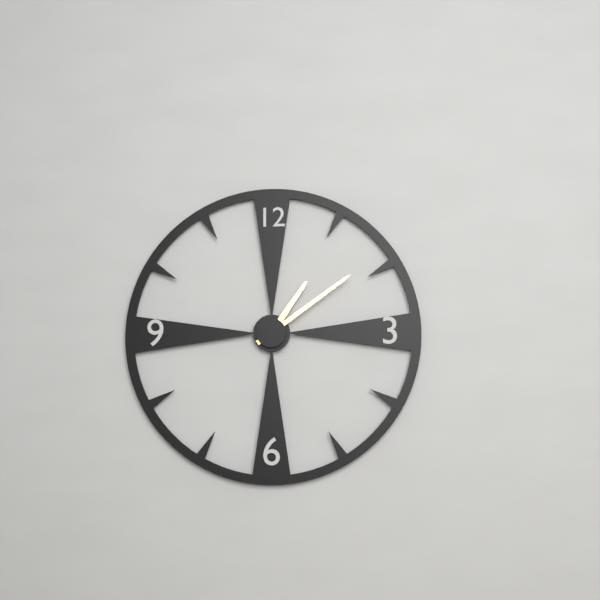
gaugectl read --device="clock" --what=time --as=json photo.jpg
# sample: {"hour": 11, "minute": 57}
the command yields {"hour": 1, "minute": 9}
